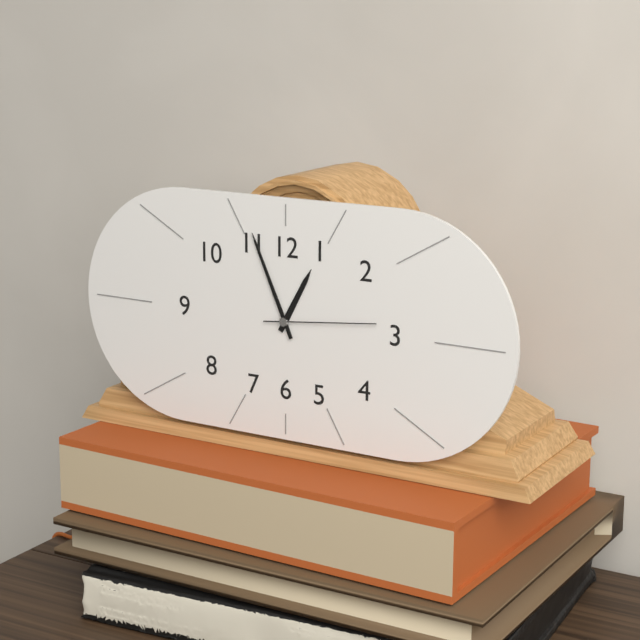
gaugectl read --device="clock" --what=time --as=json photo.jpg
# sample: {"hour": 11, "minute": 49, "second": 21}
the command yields {"hour": 12, "minute": 56, "second": 14}
